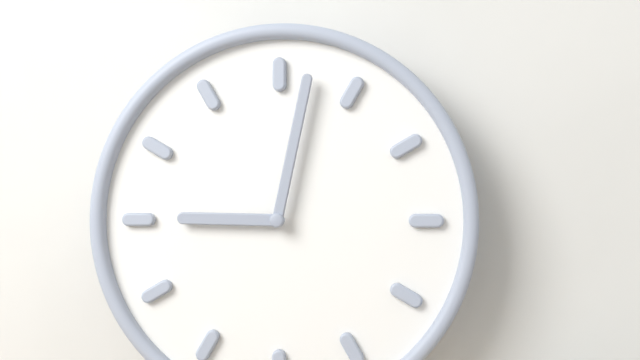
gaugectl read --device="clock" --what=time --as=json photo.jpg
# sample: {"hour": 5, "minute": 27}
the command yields {"hour": 9, "minute": 2}
